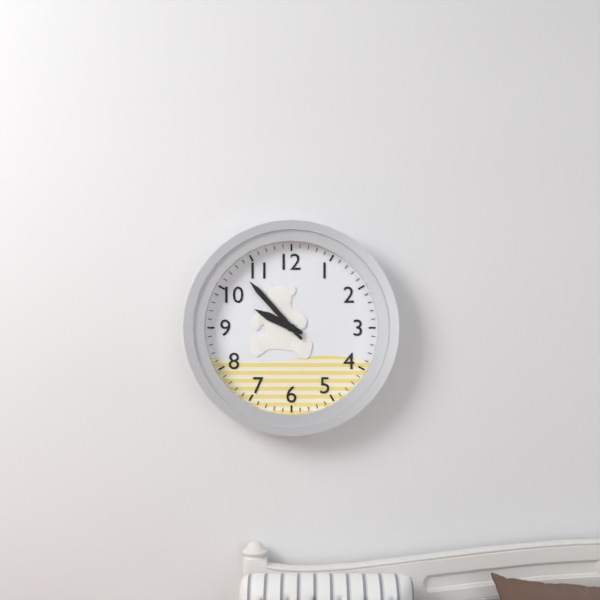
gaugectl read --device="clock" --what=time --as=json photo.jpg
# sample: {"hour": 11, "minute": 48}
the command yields {"hour": 9, "minute": 53}
